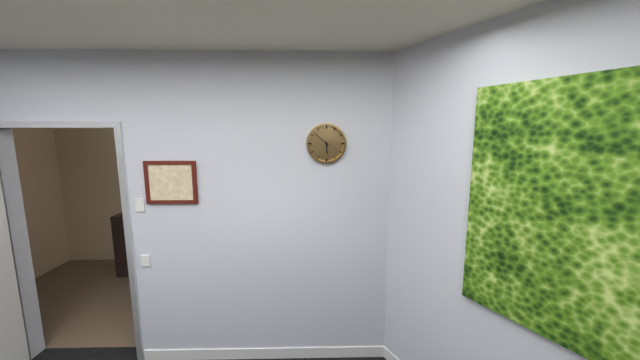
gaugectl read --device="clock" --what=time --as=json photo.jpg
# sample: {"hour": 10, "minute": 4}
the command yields {"hour": 5, "minute": 52}
